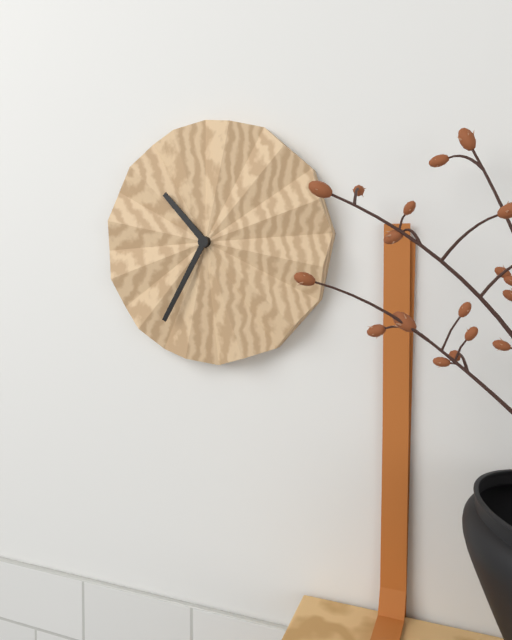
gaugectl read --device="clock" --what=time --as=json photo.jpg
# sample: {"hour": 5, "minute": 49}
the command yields {"hour": 10, "minute": 35}
